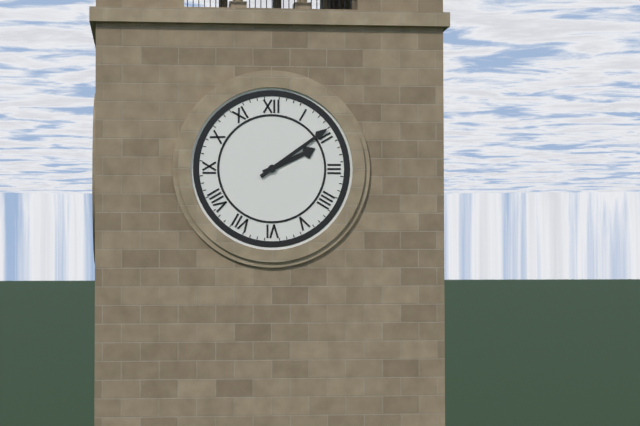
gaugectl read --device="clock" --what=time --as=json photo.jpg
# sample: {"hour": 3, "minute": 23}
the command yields {"hour": 2, "minute": 9}
